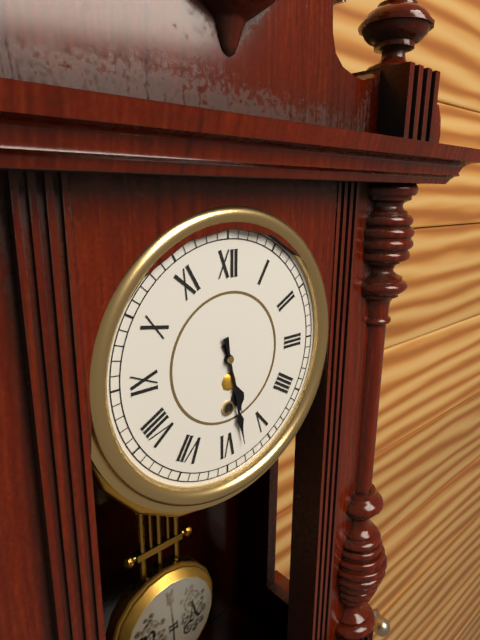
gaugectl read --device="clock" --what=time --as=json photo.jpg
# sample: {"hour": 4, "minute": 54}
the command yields {"hour": 5, "minute": 28}
